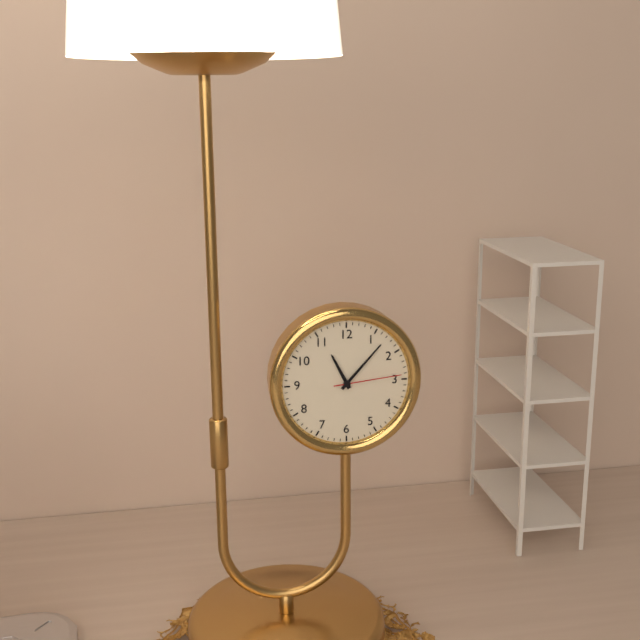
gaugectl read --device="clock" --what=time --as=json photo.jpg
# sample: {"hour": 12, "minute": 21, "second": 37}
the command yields {"hour": 11, "minute": 7, "second": 14}
